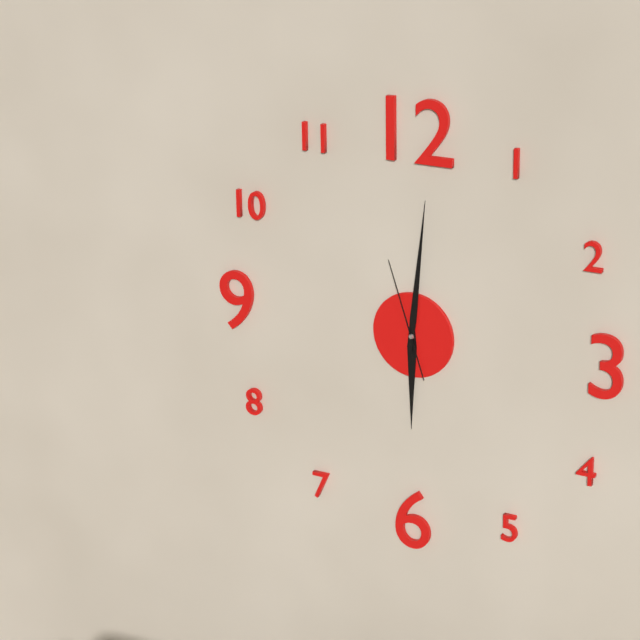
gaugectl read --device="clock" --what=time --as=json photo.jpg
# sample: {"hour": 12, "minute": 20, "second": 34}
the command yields {"hour": 6, "minute": 1, "second": 57}
